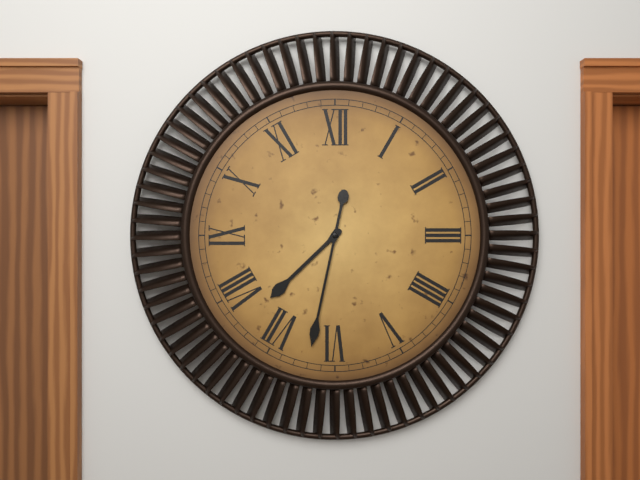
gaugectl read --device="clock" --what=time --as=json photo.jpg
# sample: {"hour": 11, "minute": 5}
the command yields {"hour": 7, "minute": 32}
